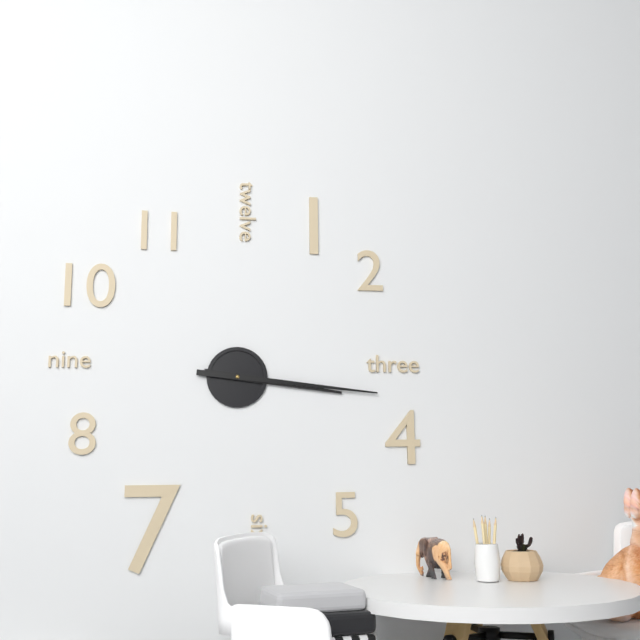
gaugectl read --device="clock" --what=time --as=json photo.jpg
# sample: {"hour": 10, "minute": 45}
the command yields {"hour": 3, "minute": 16}
